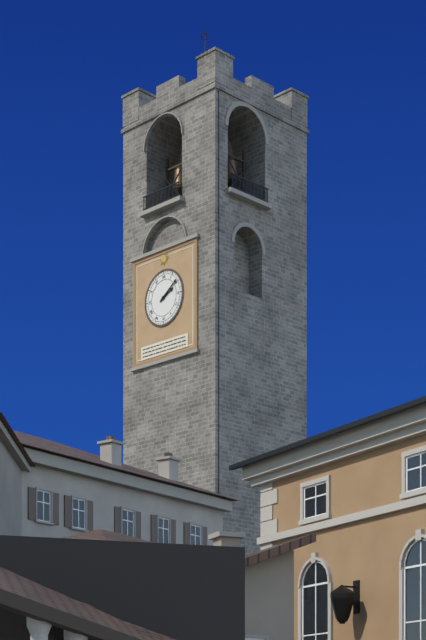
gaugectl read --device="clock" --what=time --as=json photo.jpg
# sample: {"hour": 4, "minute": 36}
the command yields {"hour": 2, "minute": 9}
